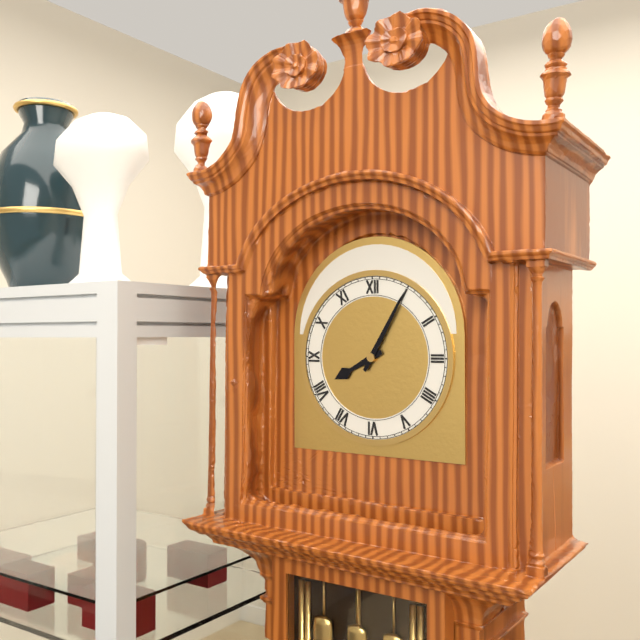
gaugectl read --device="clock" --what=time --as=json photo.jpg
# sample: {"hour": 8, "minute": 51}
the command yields {"hour": 8, "minute": 5}
